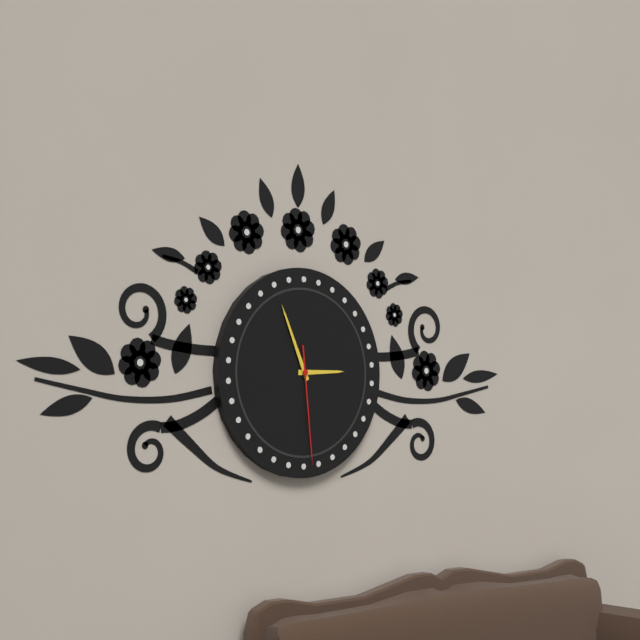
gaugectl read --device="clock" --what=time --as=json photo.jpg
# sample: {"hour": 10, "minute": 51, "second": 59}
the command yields {"hour": 2, "minute": 56, "second": 29}
